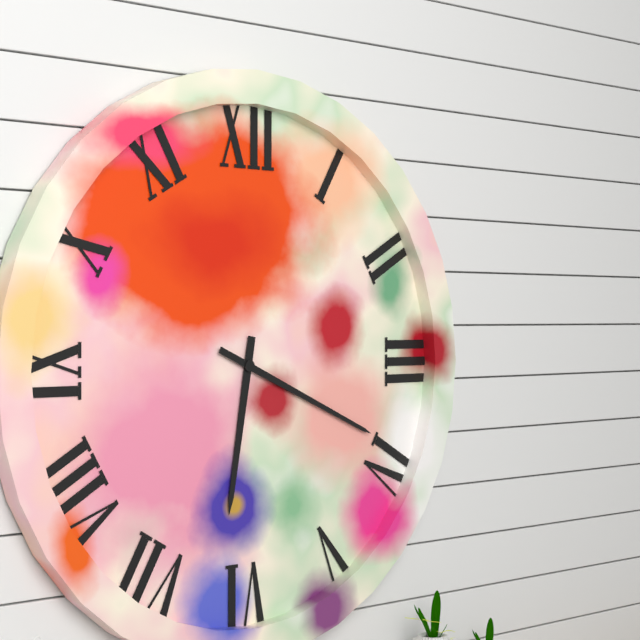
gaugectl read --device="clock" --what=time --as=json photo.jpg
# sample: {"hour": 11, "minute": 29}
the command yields {"hour": 6, "minute": 19}
